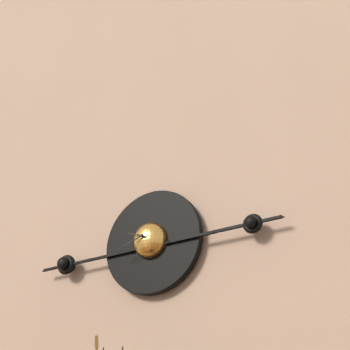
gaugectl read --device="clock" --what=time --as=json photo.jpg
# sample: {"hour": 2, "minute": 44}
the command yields {"hour": 9, "minute": 42}
